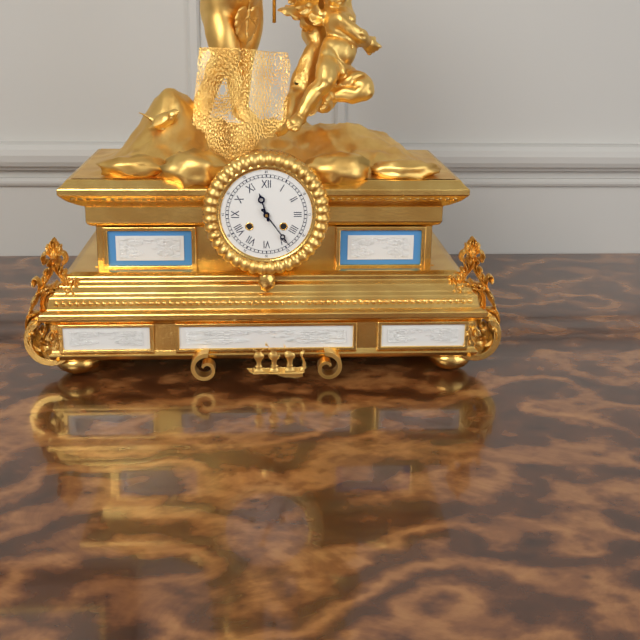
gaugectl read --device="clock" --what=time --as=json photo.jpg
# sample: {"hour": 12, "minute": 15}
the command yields {"hour": 11, "minute": 24}
